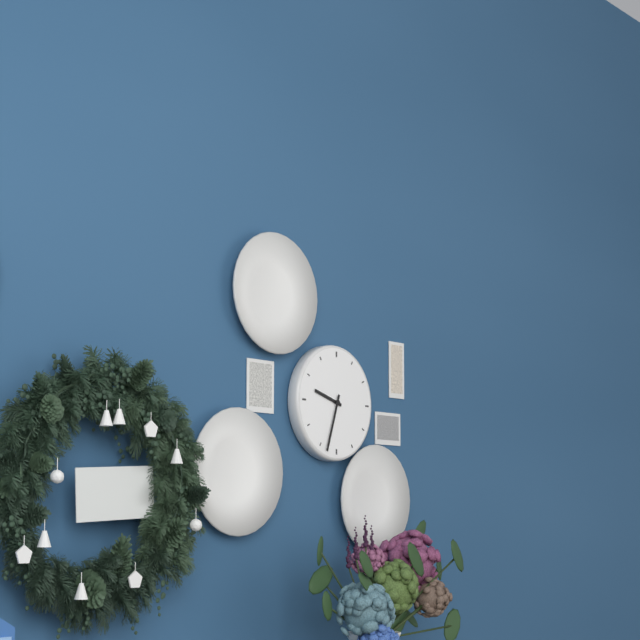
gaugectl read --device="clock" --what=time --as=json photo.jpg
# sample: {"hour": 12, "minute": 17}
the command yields {"hour": 9, "minute": 33}
